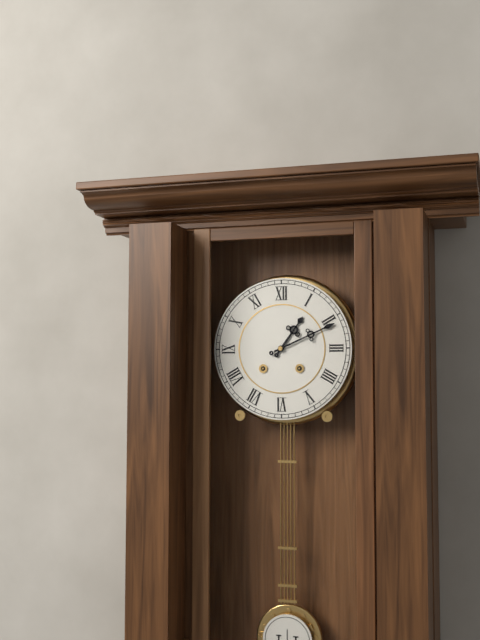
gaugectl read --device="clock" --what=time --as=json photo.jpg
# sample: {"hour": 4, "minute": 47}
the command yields {"hour": 1, "minute": 11}
